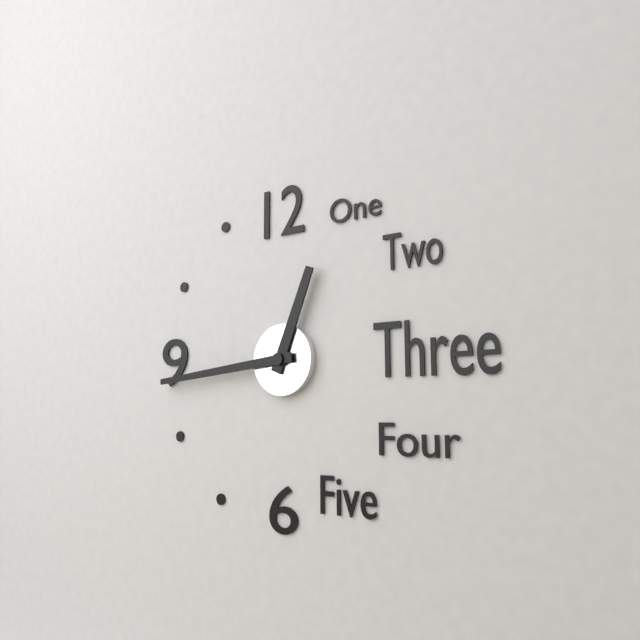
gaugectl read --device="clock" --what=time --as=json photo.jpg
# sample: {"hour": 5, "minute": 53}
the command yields {"hour": 12, "minute": 44}
